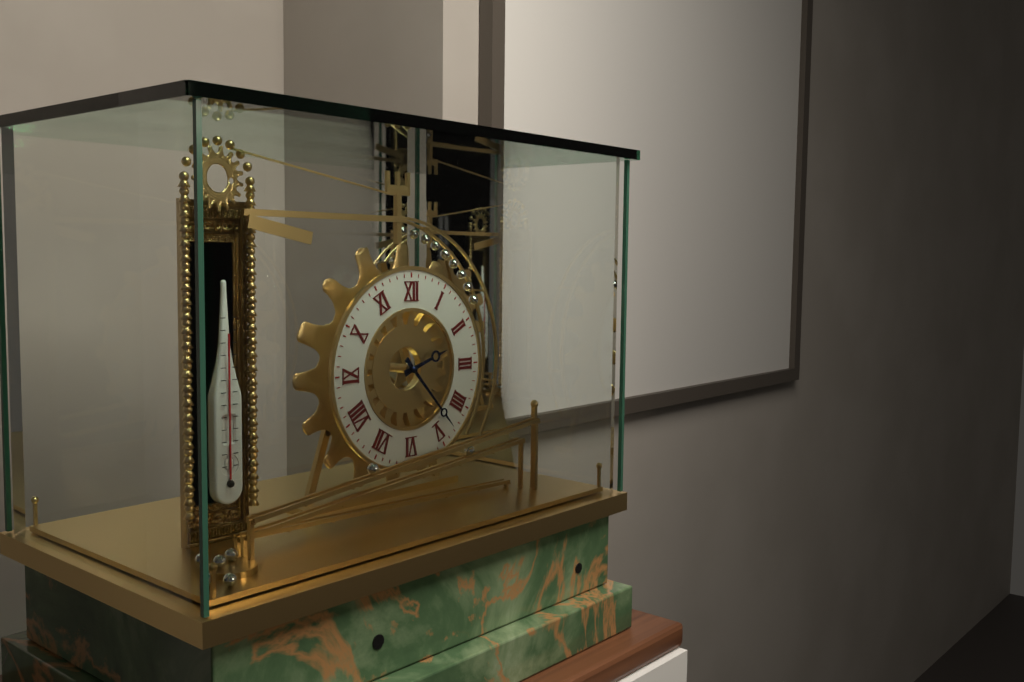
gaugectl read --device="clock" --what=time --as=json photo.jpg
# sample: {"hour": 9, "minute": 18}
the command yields {"hour": 2, "minute": 23}
